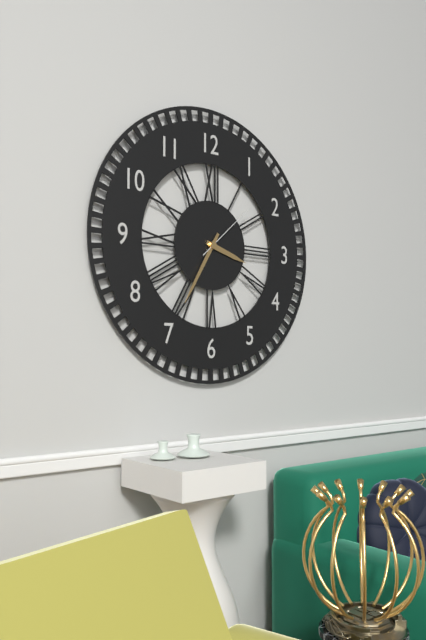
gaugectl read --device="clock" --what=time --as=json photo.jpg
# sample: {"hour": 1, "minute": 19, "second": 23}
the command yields {"hour": 3, "minute": 35, "second": 8}
